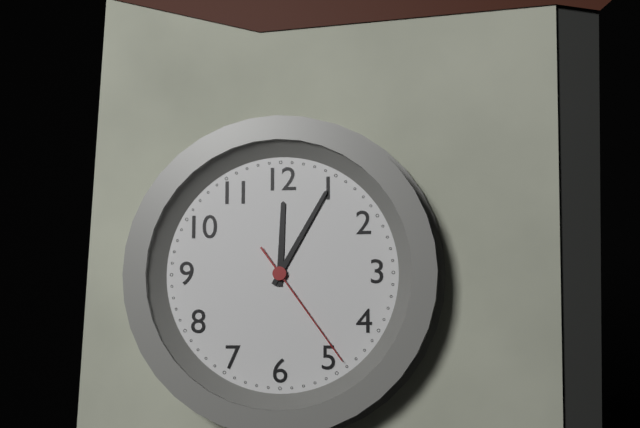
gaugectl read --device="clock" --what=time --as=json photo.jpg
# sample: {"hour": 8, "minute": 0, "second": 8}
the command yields {"hour": 12, "minute": 5, "second": 24}
